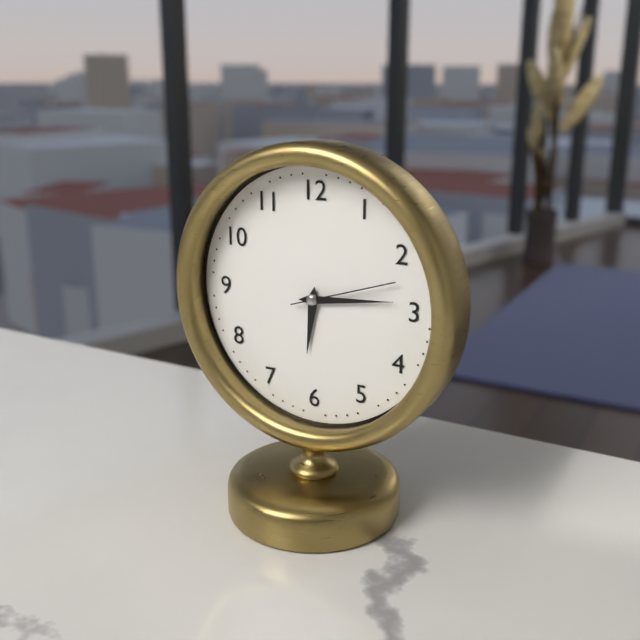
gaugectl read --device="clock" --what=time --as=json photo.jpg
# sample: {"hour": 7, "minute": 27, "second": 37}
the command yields {"hour": 6, "minute": 14, "second": 12}
